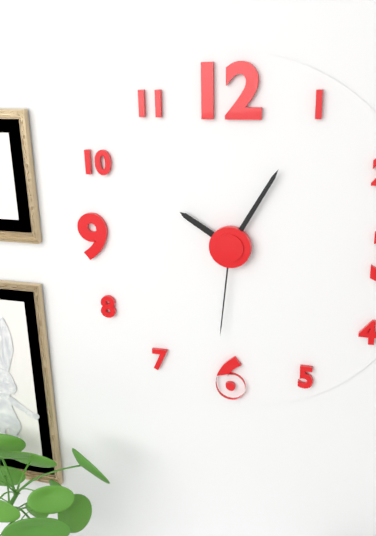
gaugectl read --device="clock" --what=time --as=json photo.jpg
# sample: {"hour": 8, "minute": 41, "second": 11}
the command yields {"hour": 10, "minute": 5, "second": 31}
